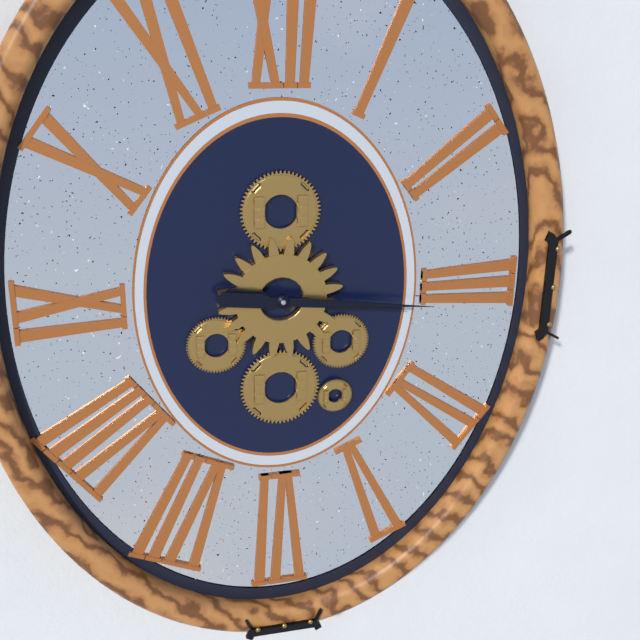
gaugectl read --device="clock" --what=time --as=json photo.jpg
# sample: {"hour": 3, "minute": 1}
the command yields {"hour": 3, "minute": 16}
